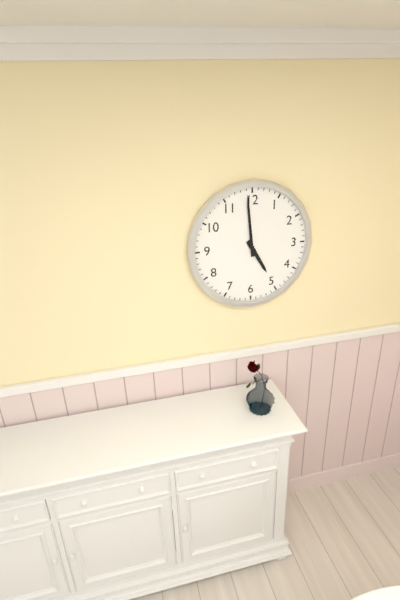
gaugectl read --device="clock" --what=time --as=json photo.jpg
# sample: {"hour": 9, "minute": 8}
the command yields {"hour": 4, "minute": 59}
